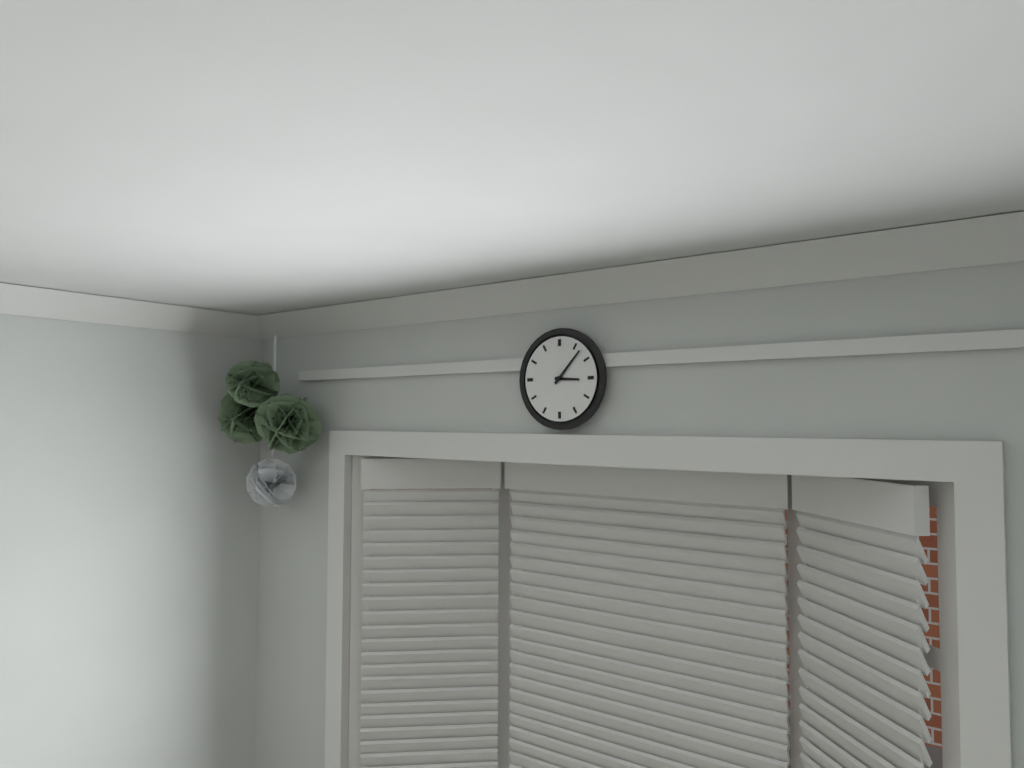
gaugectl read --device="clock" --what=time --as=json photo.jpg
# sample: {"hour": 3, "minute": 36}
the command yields {"hour": 3, "minute": 7}
